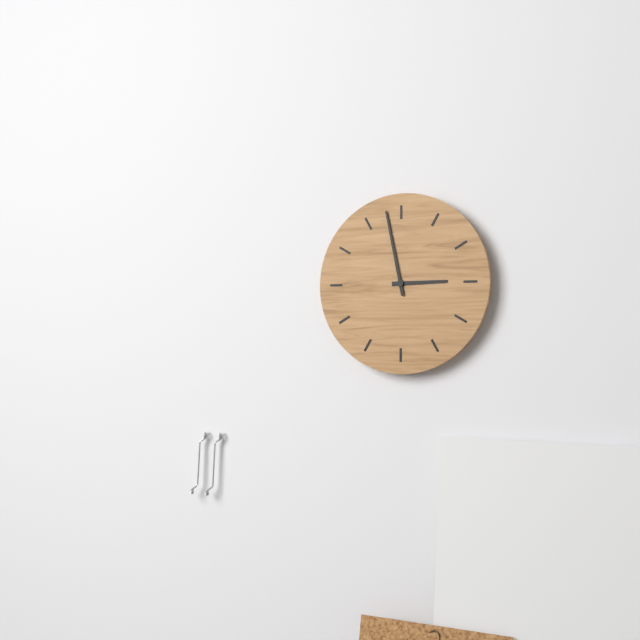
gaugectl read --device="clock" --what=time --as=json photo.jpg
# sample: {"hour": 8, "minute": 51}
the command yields {"hour": 2, "minute": 58}
